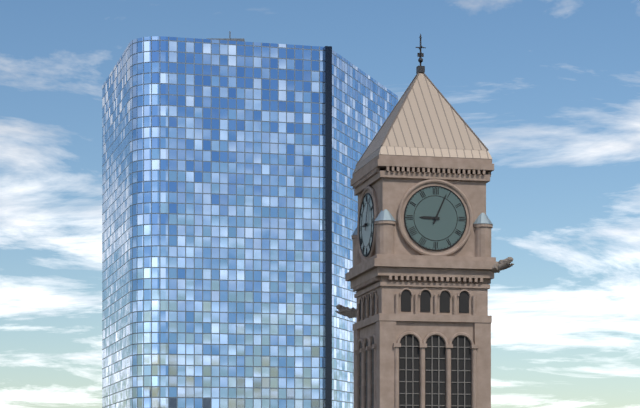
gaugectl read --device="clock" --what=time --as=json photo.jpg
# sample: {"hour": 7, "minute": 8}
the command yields {"hour": 9, "minute": 4}
